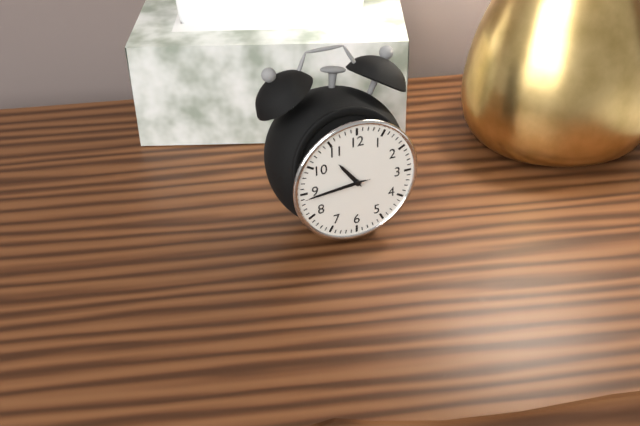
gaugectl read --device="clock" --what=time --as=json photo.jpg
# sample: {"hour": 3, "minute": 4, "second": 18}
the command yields {"hour": 10, "minute": 44, "second": 44}
